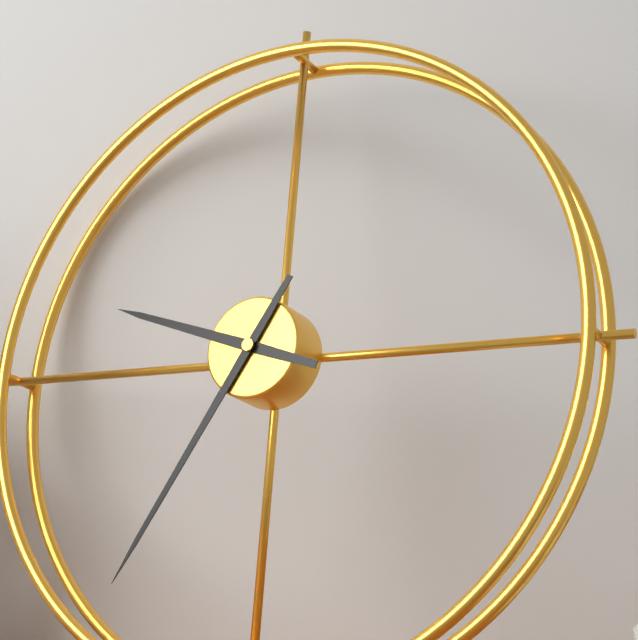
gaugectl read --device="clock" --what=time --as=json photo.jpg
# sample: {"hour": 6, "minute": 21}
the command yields {"hour": 9, "minute": 35}
